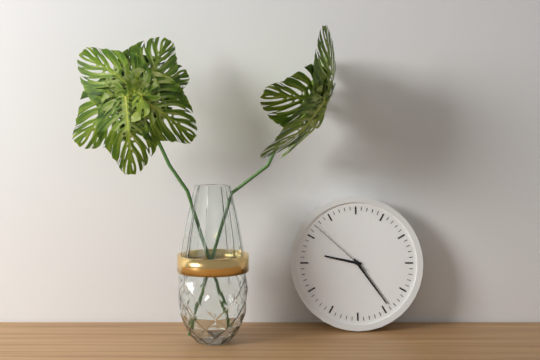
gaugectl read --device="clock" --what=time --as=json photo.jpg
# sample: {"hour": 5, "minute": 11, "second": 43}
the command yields {"hour": 9, "minute": 24, "second": 52}
